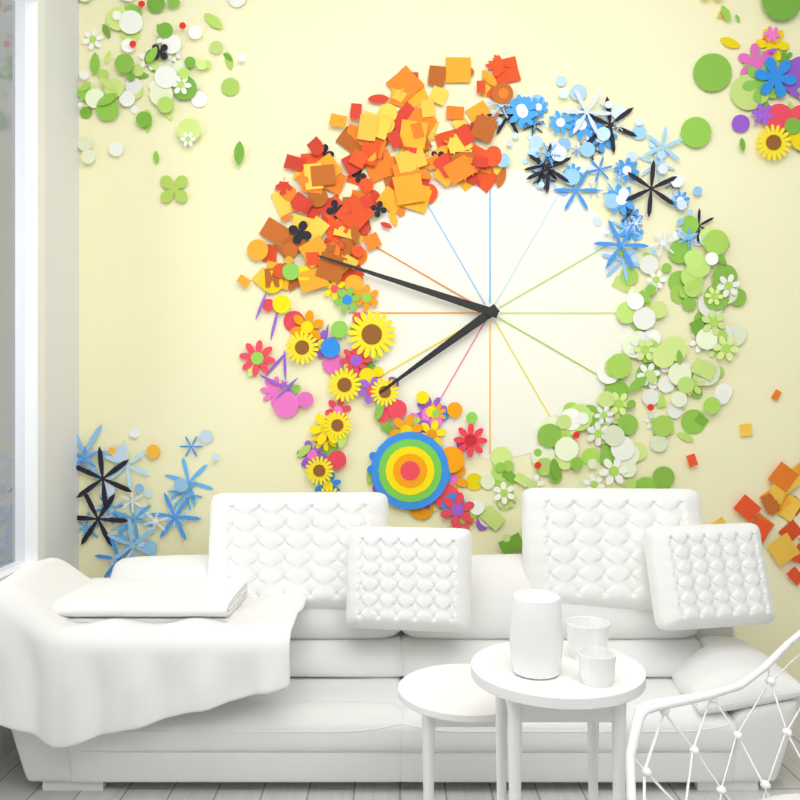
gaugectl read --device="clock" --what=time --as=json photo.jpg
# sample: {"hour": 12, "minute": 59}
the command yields {"hour": 7, "minute": 48}
